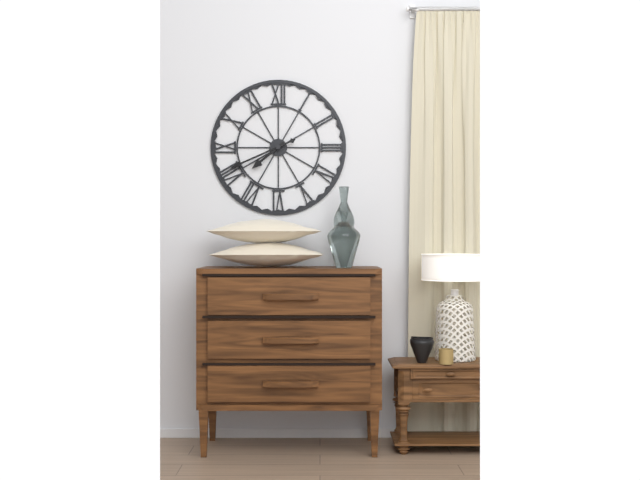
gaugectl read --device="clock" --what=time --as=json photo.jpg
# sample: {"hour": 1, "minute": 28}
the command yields {"hour": 7, "minute": 41}
